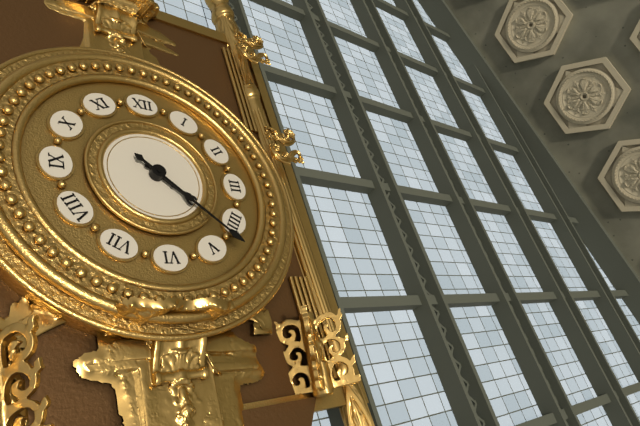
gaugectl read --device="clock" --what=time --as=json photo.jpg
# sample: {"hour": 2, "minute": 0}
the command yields {"hour": 4, "minute": 22}
